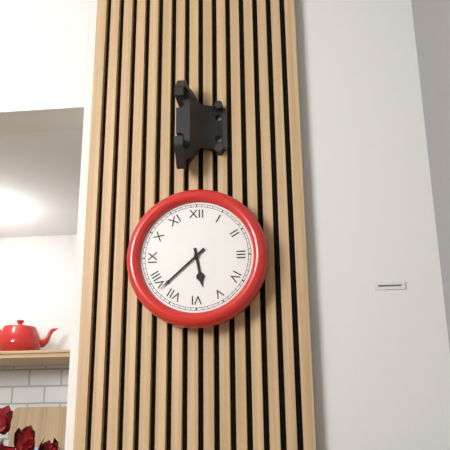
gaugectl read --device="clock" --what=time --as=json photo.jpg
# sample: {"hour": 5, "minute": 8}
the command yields {"hour": 5, "minute": 38}
